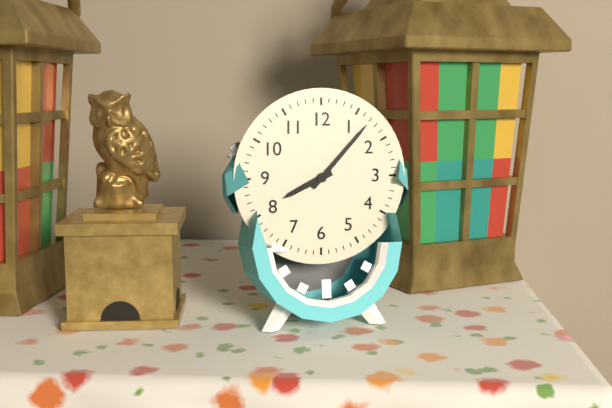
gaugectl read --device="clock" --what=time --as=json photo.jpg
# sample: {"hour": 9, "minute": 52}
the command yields {"hour": 8, "minute": 7}
